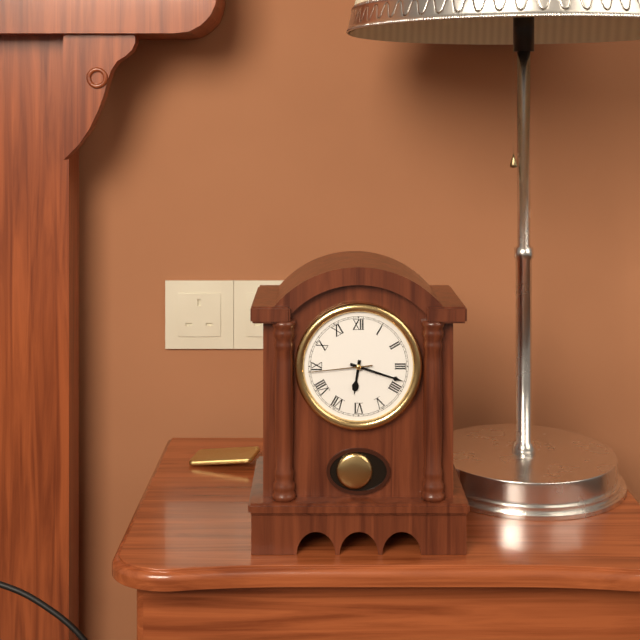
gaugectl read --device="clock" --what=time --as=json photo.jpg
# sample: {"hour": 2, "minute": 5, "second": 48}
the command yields {"hour": 6, "minute": 18, "second": 44}
